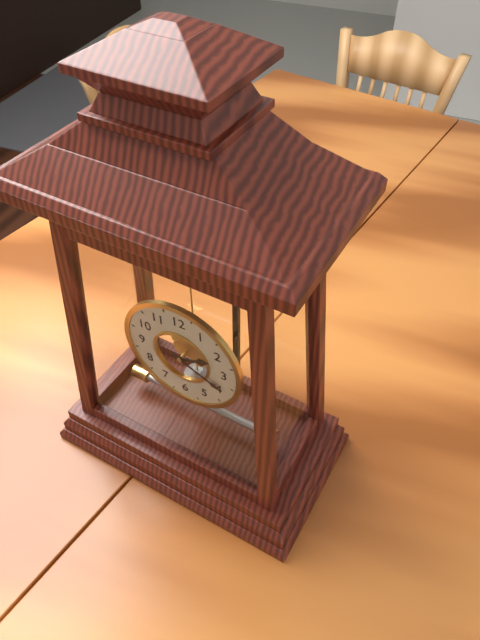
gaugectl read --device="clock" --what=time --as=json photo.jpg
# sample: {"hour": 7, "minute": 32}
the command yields {"hour": 2, "minute": 19}
